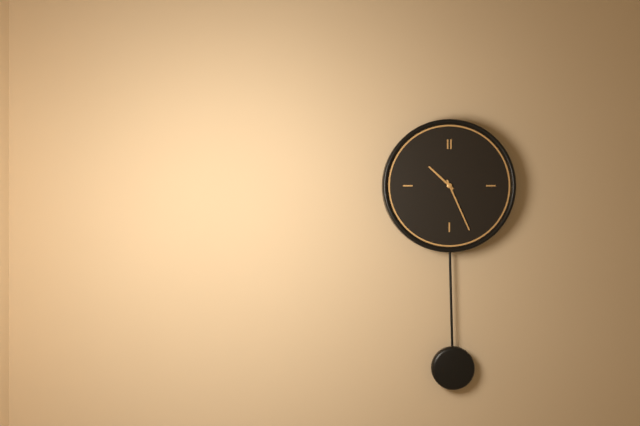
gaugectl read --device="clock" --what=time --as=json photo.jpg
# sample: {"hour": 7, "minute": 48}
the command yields {"hour": 10, "minute": 26}
